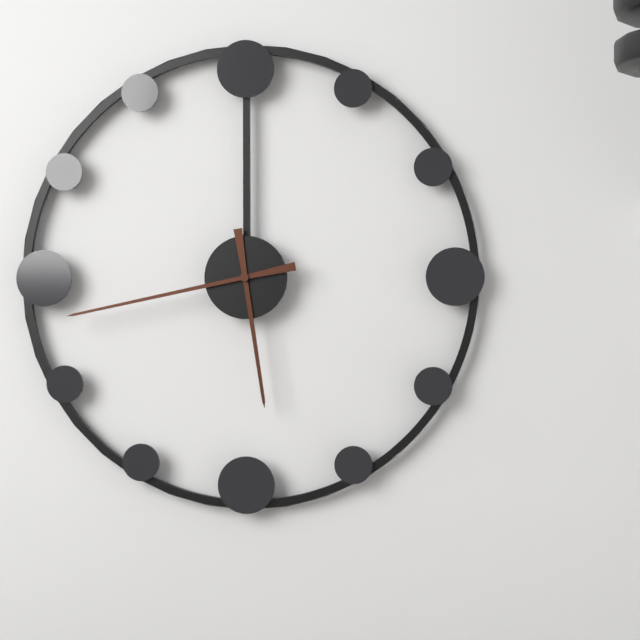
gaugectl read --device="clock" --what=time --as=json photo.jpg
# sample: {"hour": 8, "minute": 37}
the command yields {"hour": 5, "minute": 43}
